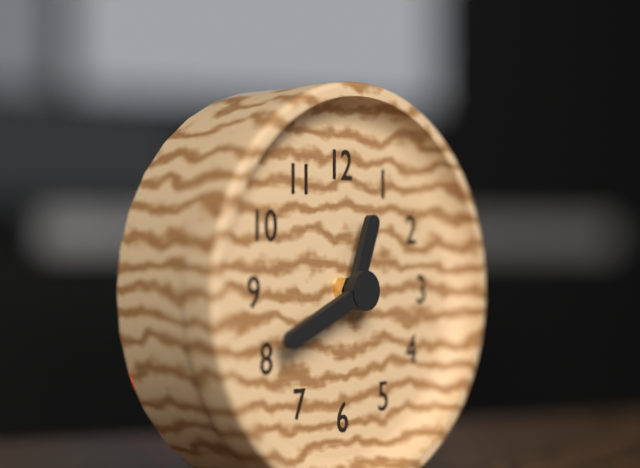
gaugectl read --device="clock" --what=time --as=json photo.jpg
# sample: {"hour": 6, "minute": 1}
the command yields {"hour": 12, "minute": 41}
